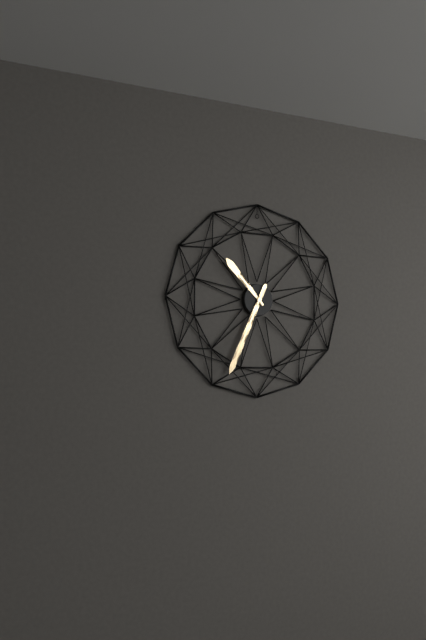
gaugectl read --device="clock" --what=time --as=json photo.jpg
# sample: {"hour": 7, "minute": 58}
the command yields {"hour": 10, "minute": 34}
